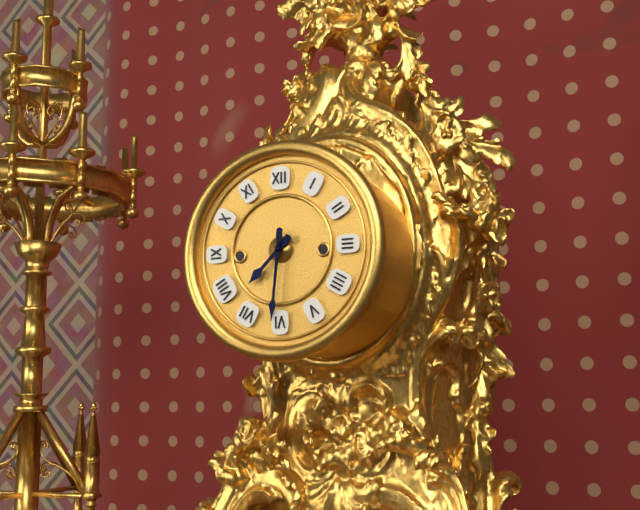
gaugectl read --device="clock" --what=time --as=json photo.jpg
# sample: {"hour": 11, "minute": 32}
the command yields {"hour": 7, "minute": 31}
